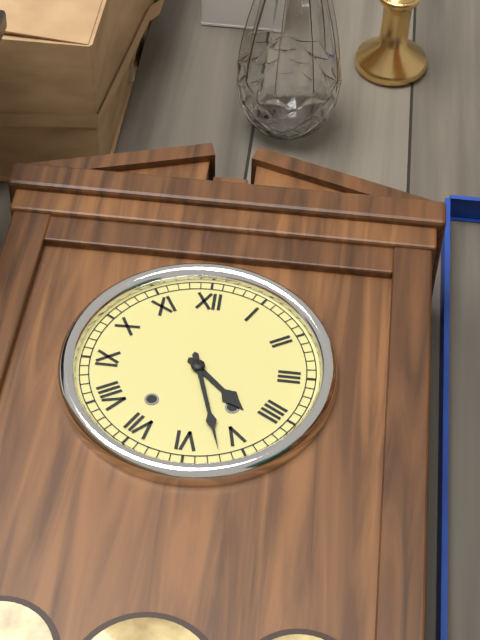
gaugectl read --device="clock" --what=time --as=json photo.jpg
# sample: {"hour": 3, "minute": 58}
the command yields {"hour": 4, "minute": 27}
